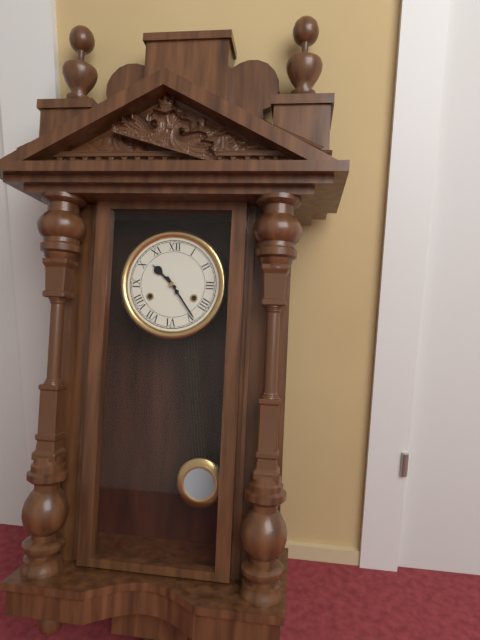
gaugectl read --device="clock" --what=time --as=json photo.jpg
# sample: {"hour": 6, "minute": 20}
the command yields {"hour": 10, "minute": 24}
